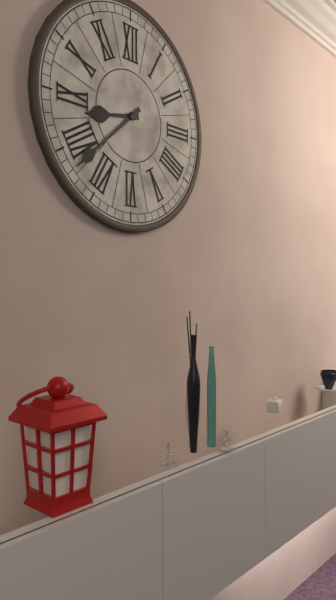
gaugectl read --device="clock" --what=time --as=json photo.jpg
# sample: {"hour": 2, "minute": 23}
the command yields {"hour": 8, "minute": 38}
